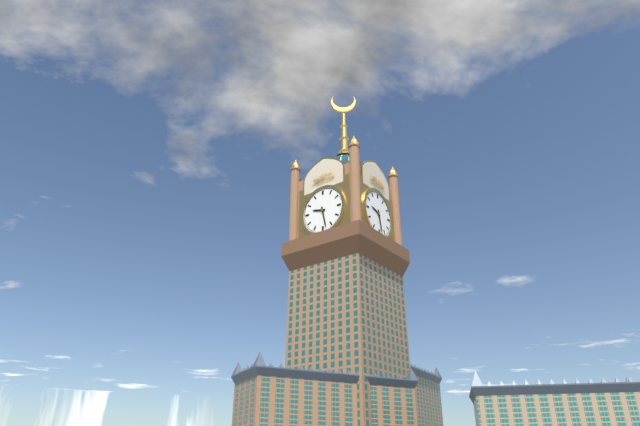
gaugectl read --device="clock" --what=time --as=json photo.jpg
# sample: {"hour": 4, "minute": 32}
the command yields {"hour": 9, "minute": 28}
